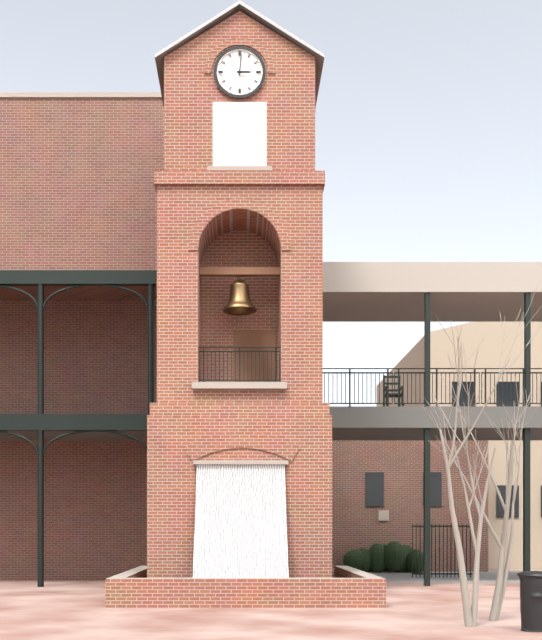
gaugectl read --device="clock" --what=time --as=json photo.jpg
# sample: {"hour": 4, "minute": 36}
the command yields {"hour": 3, "minute": 1}
